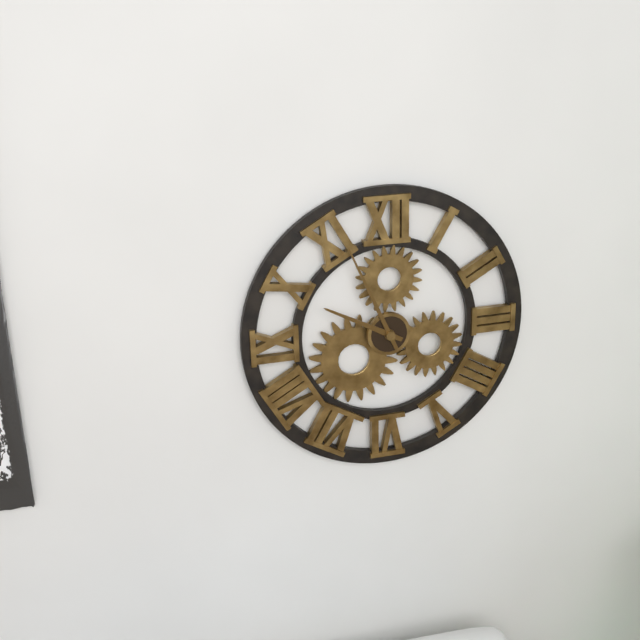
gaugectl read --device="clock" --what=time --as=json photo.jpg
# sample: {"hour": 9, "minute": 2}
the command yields {"hour": 9, "minute": 56}
